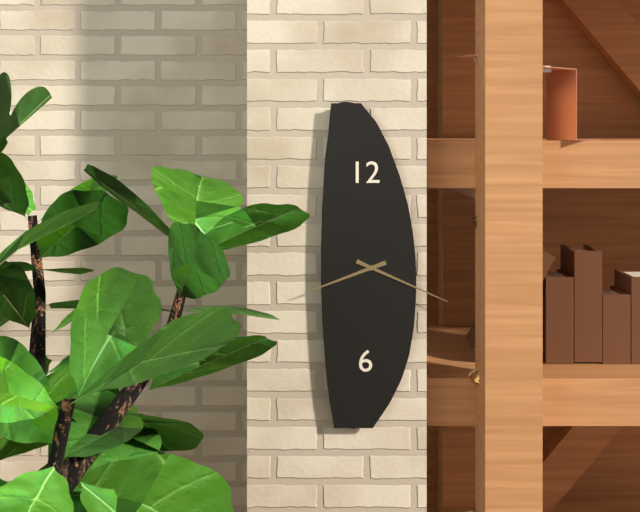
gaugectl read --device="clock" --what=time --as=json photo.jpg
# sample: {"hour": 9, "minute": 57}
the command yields {"hour": 8, "minute": 19}
